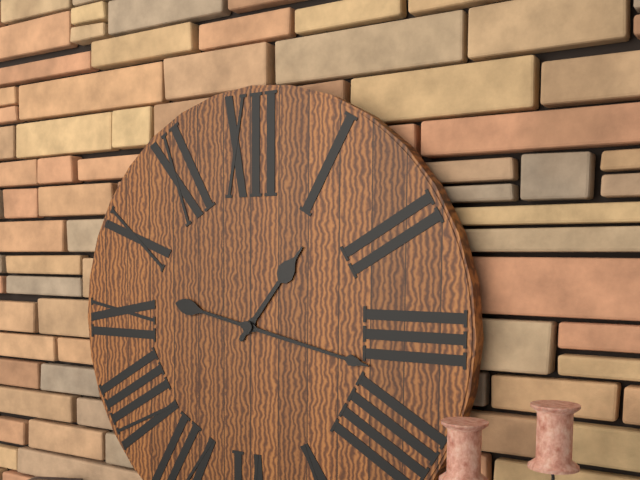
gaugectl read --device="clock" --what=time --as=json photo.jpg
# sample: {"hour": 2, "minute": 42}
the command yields {"hour": 1, "minute": 17}
